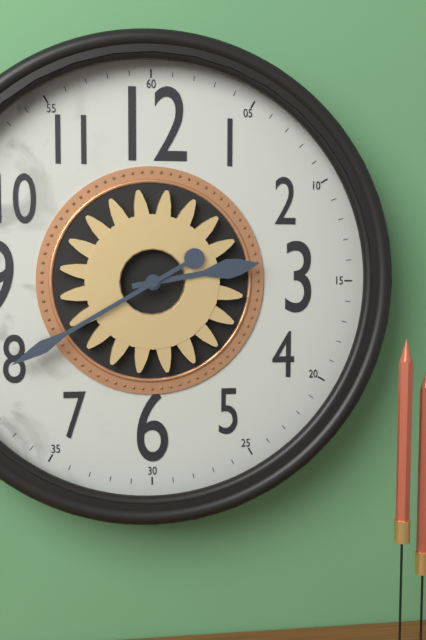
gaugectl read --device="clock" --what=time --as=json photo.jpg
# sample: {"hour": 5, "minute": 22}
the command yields {"hour": 2, "minute": 40}
